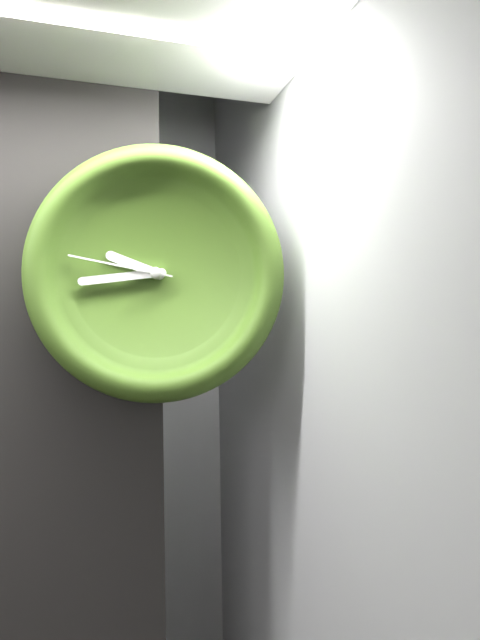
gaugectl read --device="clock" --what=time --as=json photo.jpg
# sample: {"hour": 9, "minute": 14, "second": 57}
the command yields {"hour": 9, "minute": 44, "second": 47}
